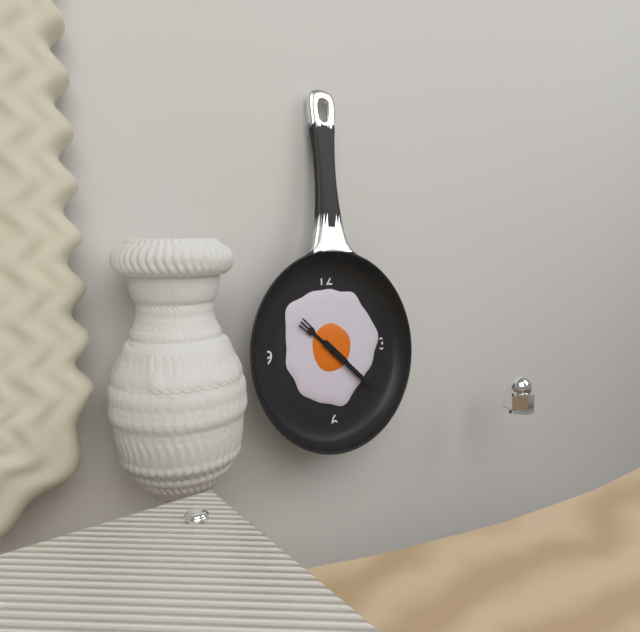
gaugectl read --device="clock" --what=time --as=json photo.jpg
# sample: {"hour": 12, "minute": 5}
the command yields {"hour": 10, "minute": 22}
